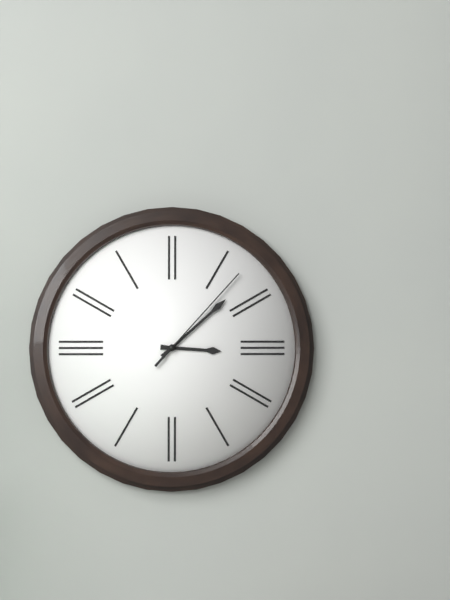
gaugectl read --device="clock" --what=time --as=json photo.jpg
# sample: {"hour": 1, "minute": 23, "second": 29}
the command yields {"hour": 3, "minute": 8, "second": 7}
